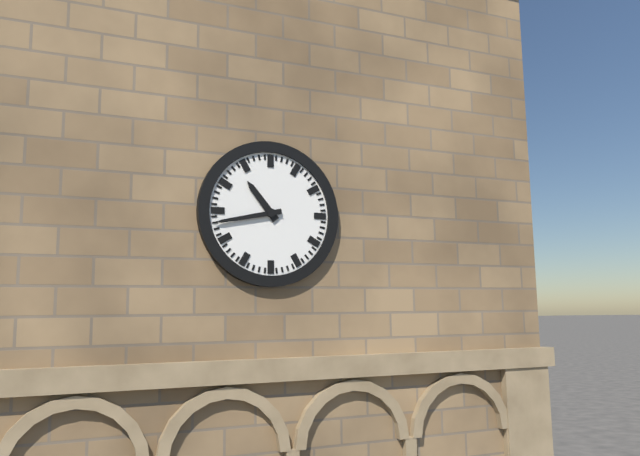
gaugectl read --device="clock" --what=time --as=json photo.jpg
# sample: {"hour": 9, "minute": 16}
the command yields {"hour": 10, "minute": 43}
